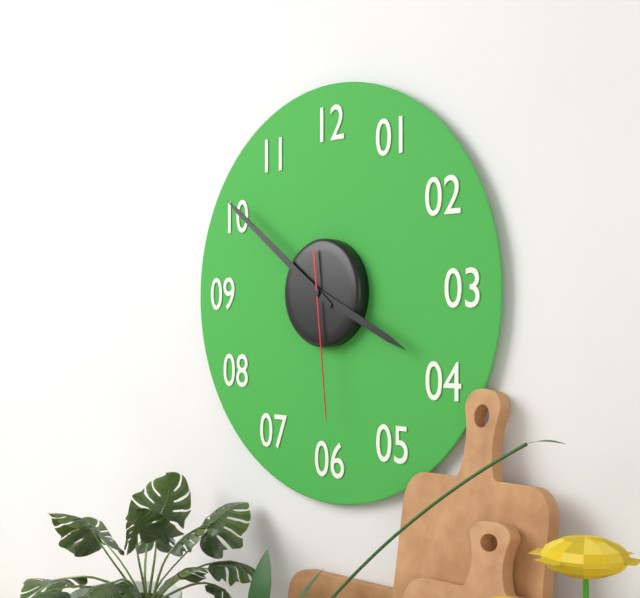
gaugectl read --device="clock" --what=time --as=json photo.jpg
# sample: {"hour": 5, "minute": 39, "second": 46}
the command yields {"hour": 3, "minute": 51, "second": 29}
